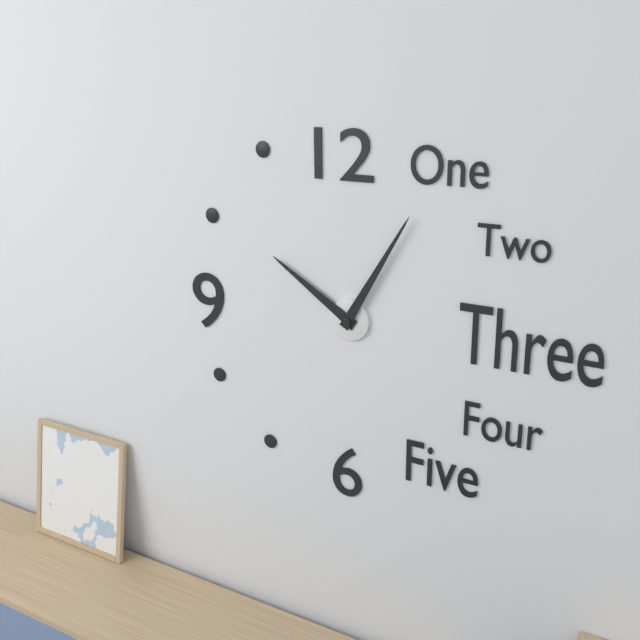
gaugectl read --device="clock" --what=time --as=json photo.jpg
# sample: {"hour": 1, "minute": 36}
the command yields {"hour": 10, "minute": 5}
